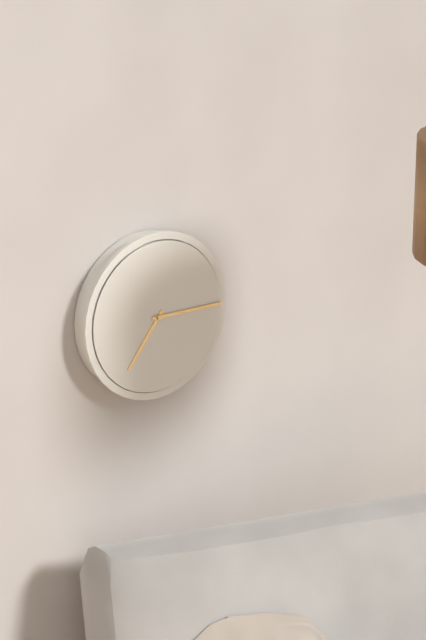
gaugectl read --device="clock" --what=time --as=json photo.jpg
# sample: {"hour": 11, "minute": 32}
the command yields {"hour": 7, "minute": 15}
